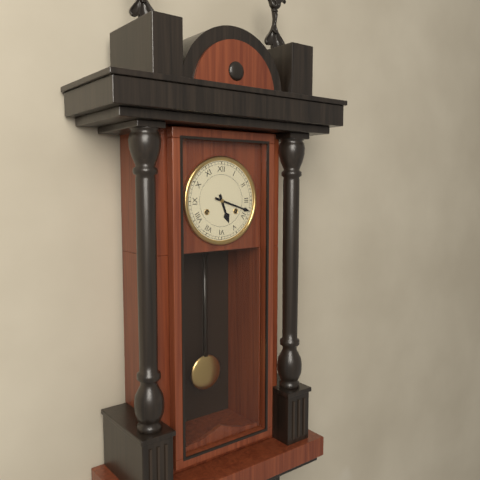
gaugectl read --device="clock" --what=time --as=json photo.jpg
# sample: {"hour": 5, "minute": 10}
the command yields {"hour": 5, "minute": 18}
